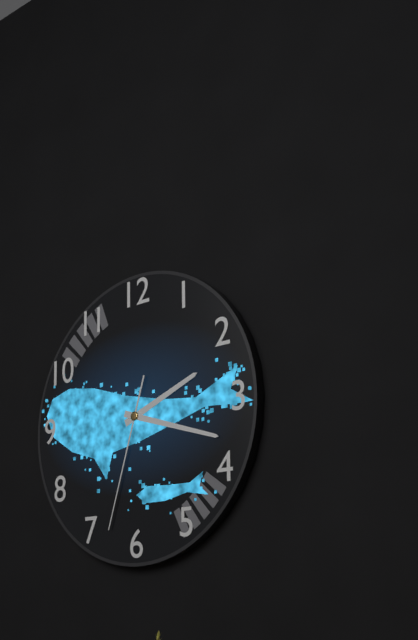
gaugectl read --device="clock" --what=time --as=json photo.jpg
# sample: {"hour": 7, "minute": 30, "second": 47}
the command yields {"hour": 2, "minute": 18, "second": 33}
